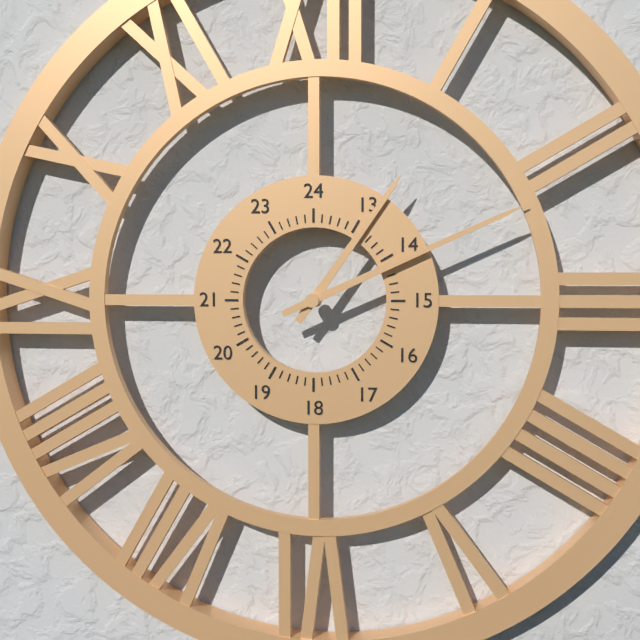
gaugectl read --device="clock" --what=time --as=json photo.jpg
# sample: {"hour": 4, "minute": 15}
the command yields {"hour": 1, "minute": 11}
